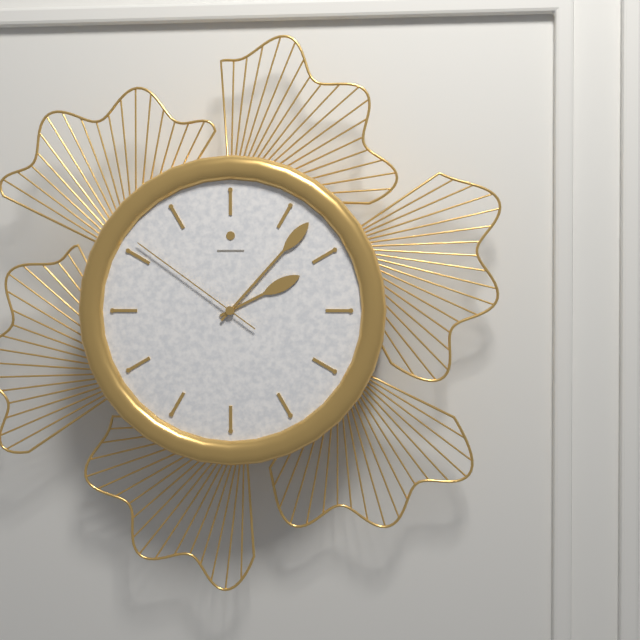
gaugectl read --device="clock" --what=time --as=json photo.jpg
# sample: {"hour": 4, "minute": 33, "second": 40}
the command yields {"hour": 2, "minute": 7, "second": 51}
